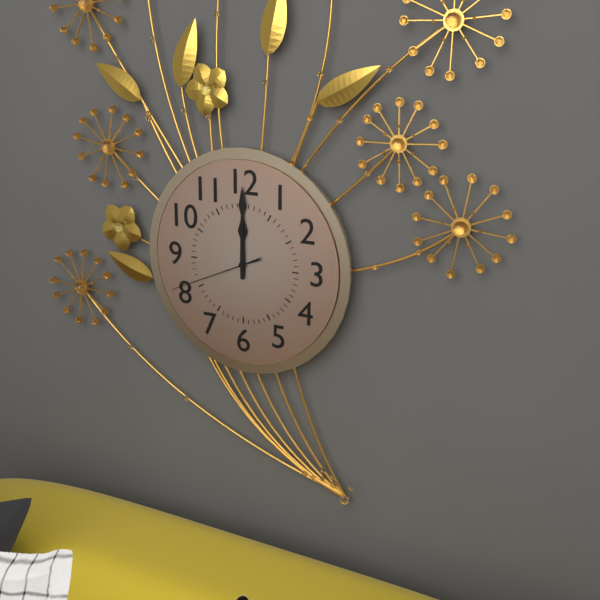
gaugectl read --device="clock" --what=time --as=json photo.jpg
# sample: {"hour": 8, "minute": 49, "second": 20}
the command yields {"hour": 12, "minute": 0, "second": 41}
